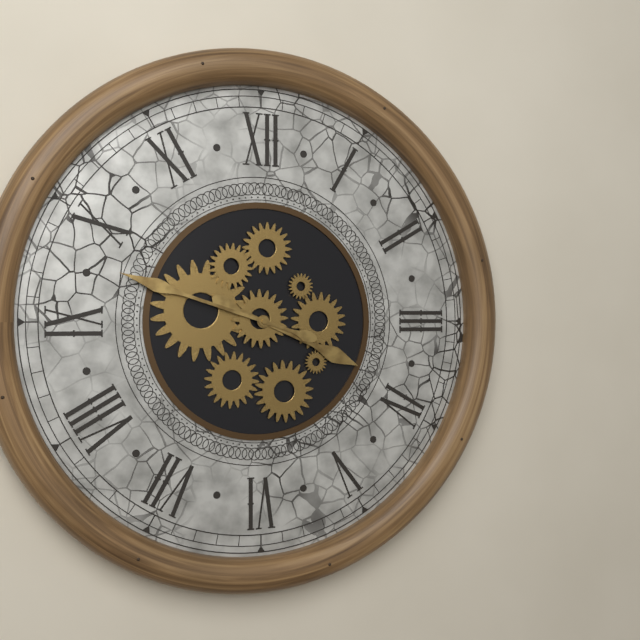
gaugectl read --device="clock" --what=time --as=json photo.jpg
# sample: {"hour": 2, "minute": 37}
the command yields {"hour": 3, "minute": 48}
